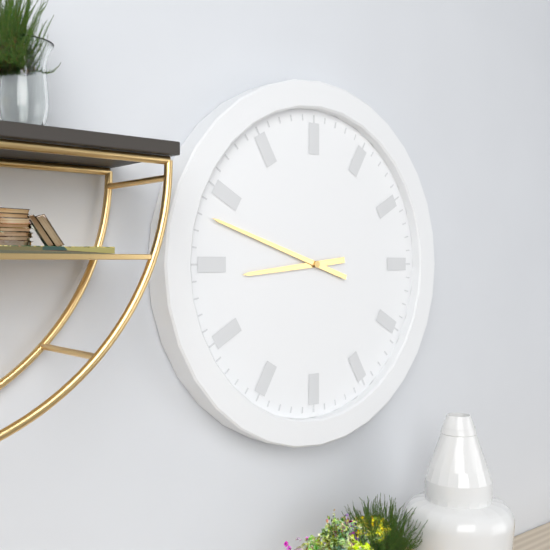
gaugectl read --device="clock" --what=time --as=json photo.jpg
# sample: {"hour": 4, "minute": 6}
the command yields {"hour": 8, "minute": 48}
